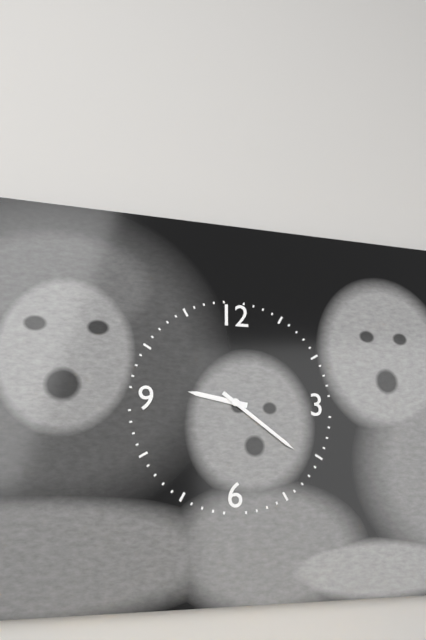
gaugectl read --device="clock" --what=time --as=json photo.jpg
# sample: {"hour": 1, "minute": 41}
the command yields {"hour": 9, "minute": 21}
